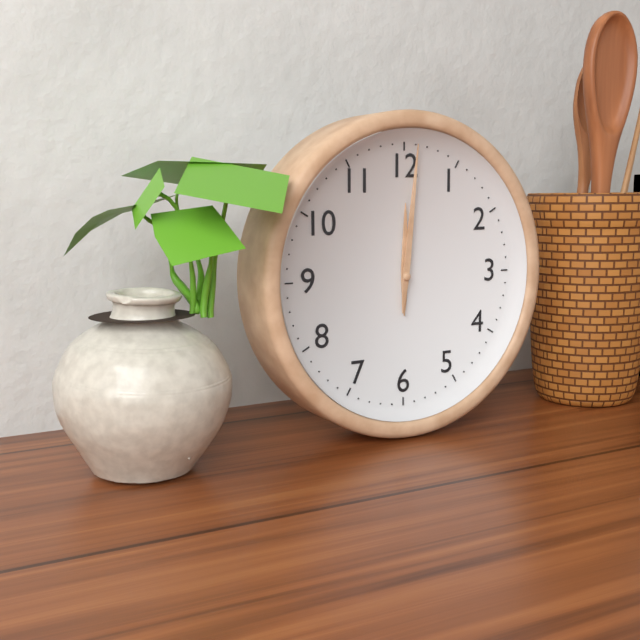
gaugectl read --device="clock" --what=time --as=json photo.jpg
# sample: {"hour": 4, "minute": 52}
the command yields {"hour": 12, "minute": 1}
